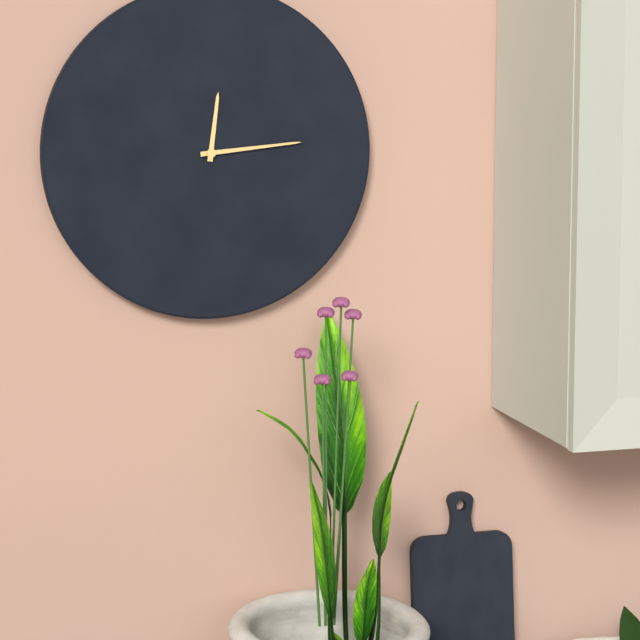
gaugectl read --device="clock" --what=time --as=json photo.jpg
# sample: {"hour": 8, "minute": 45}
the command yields {"hour": 12, "minute": 14}
